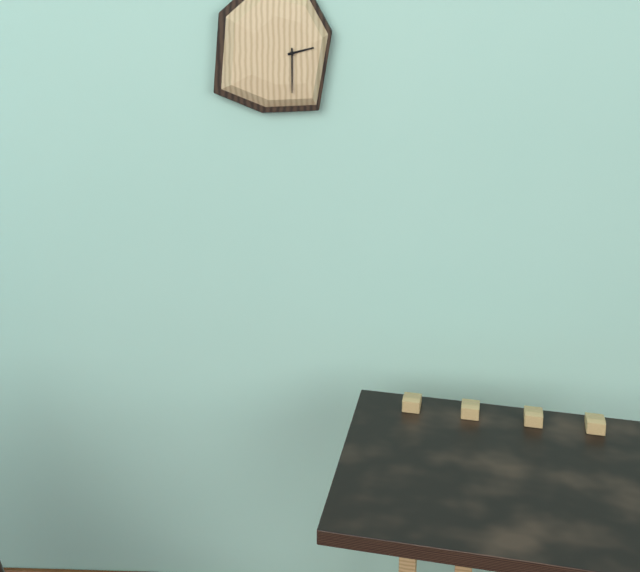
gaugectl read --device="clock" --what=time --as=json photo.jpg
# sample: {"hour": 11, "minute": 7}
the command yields {"hour": 2, "minute": 30}
